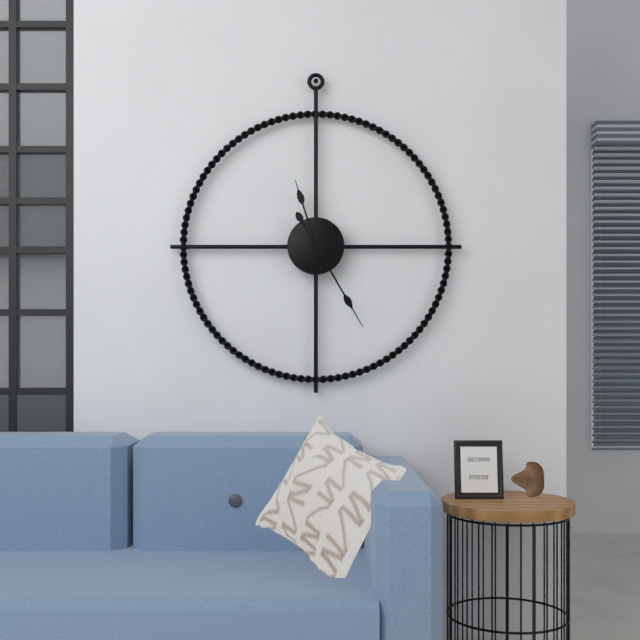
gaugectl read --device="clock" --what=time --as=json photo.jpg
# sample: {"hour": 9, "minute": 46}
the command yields {"hour": 11, "minute": 25}
